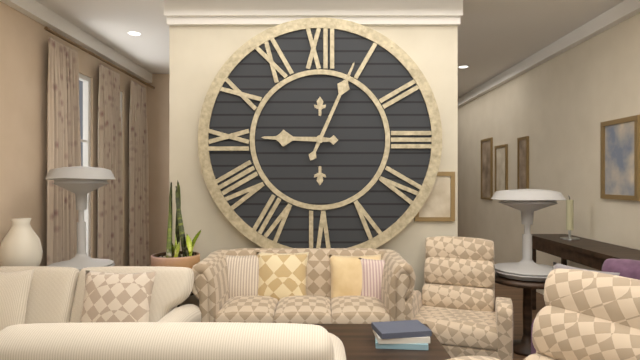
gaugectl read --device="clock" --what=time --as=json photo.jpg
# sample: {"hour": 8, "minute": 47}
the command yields {"hour": 9, "minute": 4}
